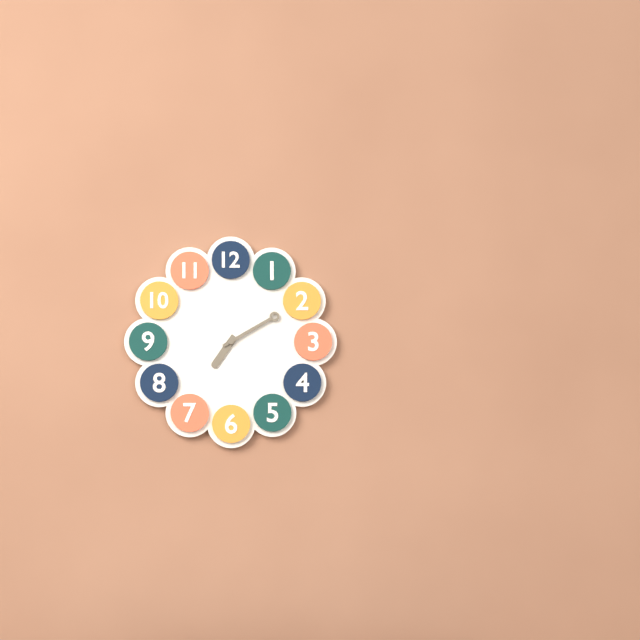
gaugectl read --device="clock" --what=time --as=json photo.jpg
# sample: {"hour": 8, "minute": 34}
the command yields {"hour": 7, "minute": 10}
